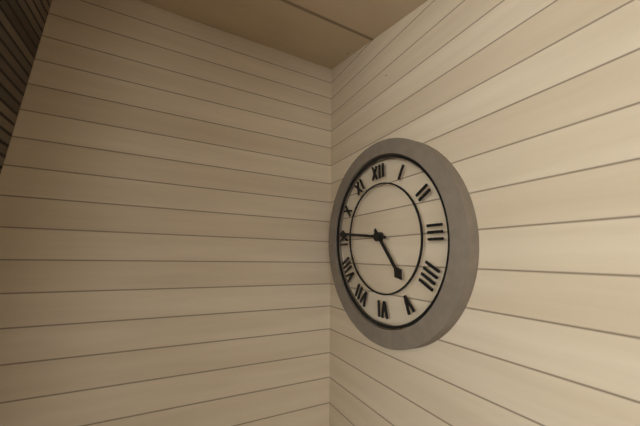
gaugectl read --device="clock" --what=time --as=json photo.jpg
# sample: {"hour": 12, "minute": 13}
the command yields {"hour": 4, "minute": 46}
